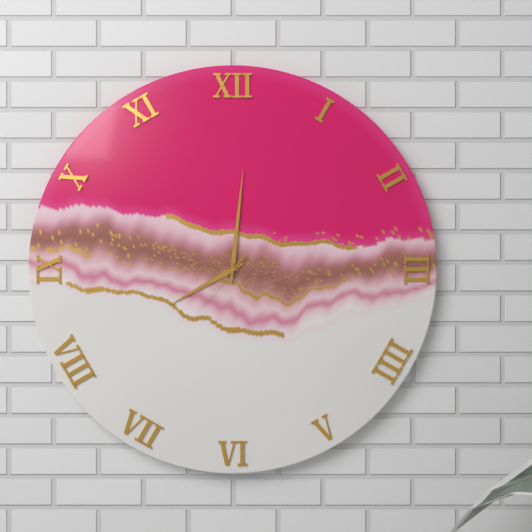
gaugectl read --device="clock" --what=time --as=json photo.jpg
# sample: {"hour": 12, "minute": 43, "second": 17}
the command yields {"hour": 8, "minute": 1, "second": 37}
